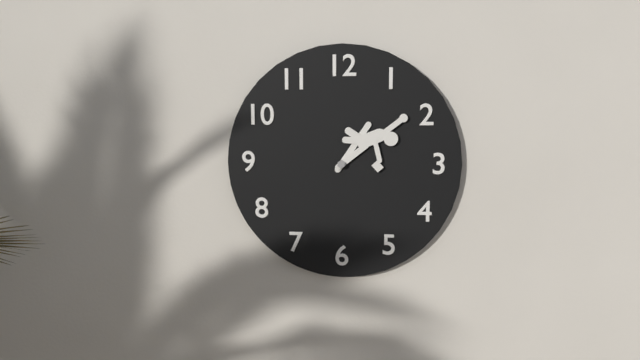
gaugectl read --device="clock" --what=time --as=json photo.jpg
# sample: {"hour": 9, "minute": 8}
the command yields {"hour": 1, "minute": 8}
